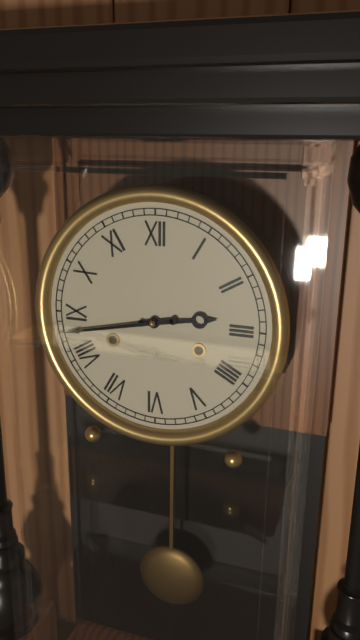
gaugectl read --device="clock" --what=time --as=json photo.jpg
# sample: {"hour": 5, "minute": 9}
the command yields {"hour": 2, "minute": 43}
